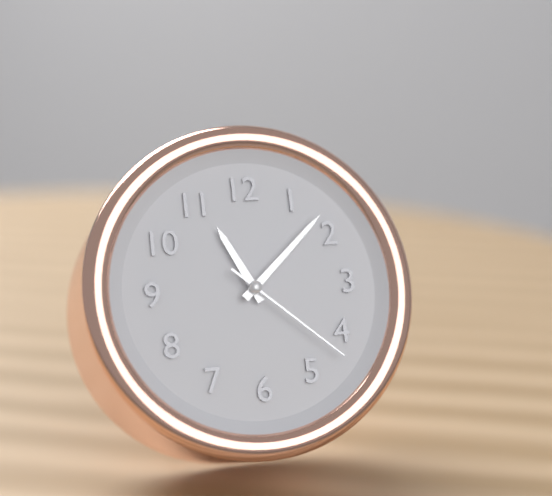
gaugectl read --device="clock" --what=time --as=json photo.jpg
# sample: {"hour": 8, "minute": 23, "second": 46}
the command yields {"hour": 11, "minute": 8, "second": 22}
